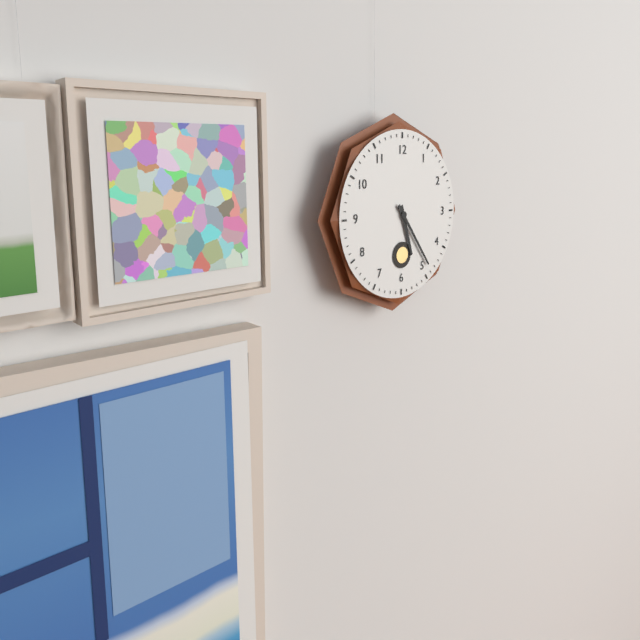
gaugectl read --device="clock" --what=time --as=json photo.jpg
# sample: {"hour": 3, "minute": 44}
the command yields {"hour": 5, "minute": 24}
